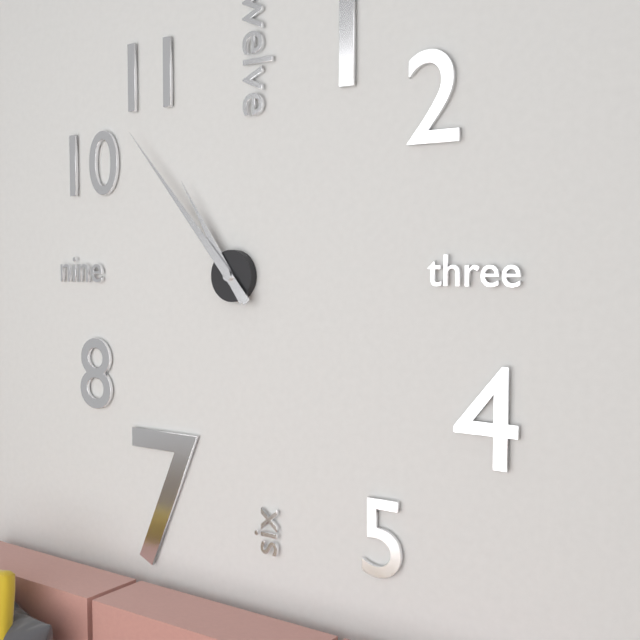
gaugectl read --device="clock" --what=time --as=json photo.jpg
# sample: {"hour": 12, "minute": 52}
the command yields {"hour": 10, "minute": 53}
